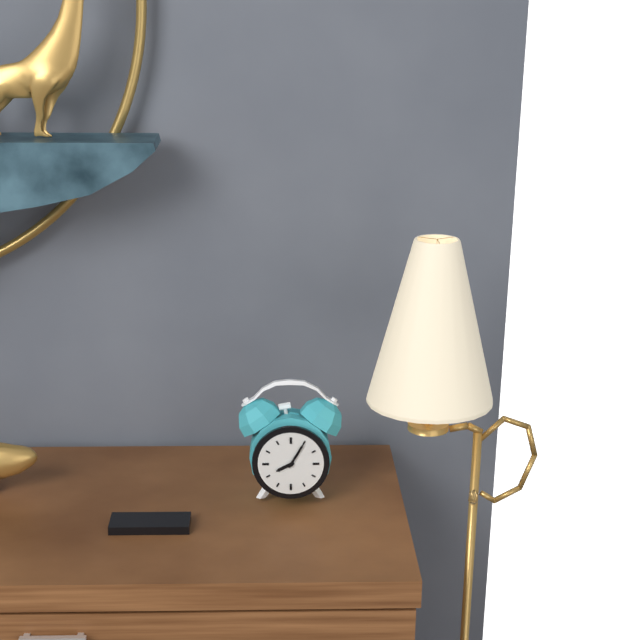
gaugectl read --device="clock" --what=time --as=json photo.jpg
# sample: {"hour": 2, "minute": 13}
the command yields {"hour": 8, "minute": 5}
